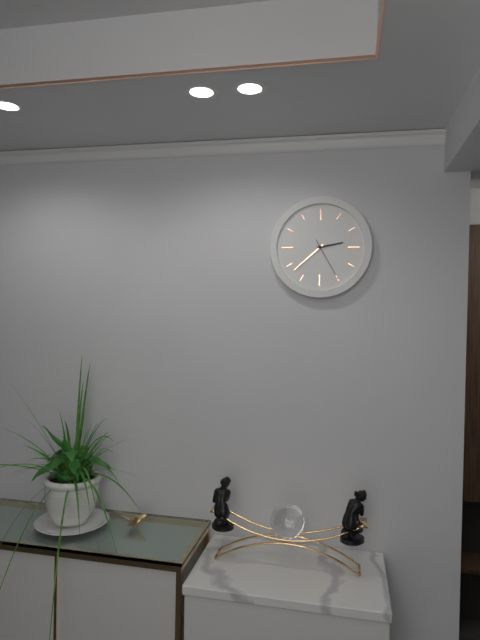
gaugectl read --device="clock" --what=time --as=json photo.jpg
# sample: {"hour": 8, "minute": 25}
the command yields {"hour": 2, "minute": 38}
